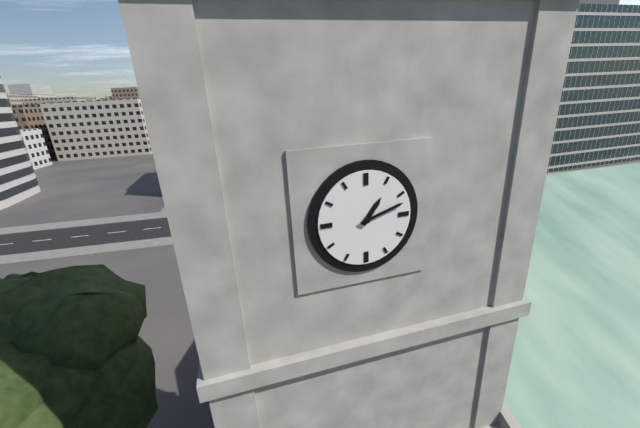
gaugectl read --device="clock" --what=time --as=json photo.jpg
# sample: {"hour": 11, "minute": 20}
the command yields {"hour": 1, "minute": 12}
